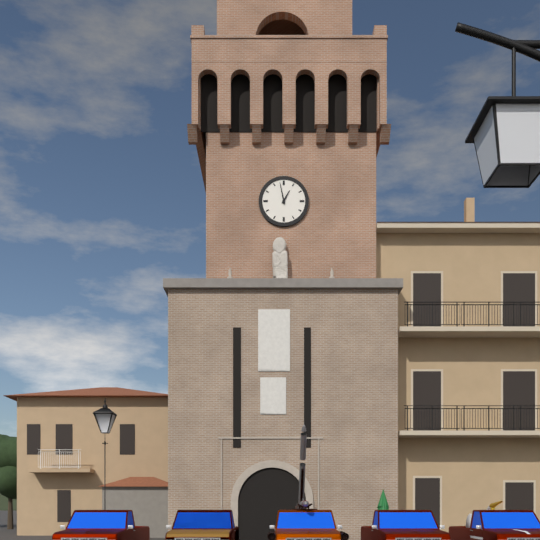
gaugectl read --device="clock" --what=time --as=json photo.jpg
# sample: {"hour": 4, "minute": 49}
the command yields {"hour": 12, "minute": 58}
